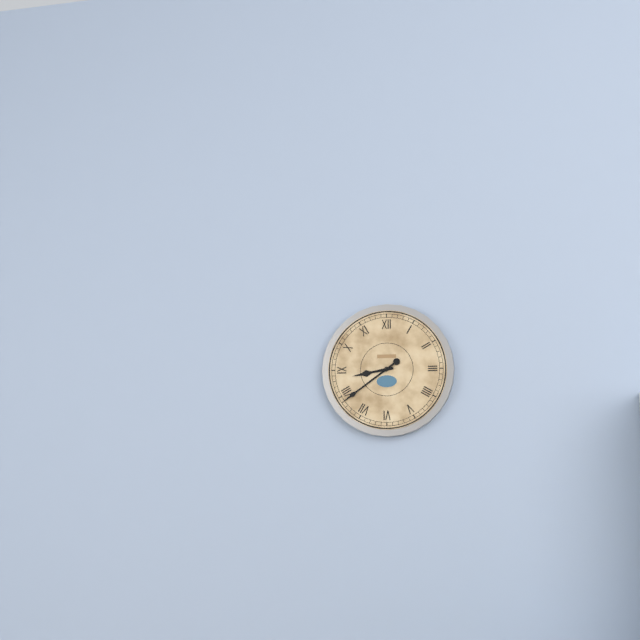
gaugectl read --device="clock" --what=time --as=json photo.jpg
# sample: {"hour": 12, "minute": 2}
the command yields {"hour": 8, "minute": 39}
